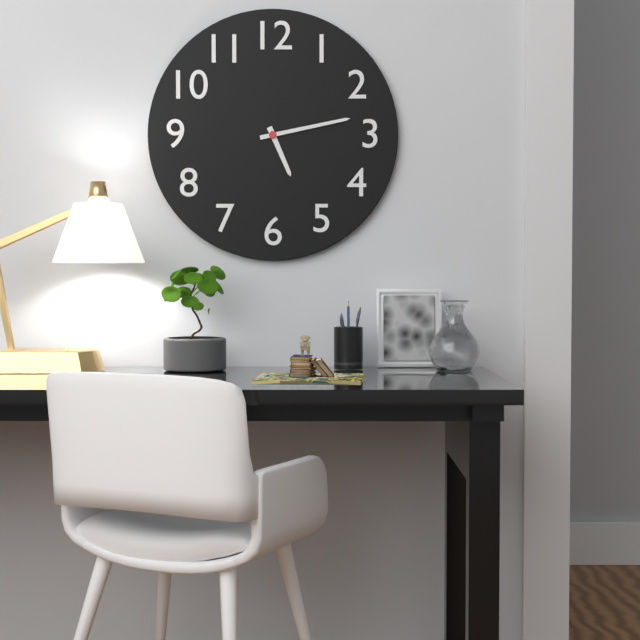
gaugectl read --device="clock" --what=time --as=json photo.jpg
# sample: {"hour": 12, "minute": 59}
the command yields {"hour": 5, "minute": 13}
